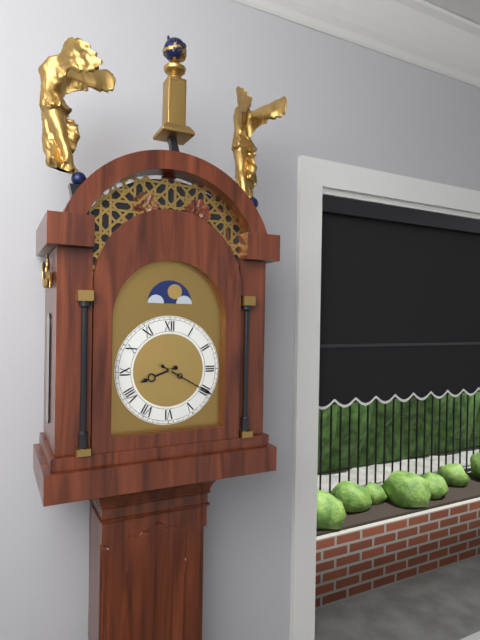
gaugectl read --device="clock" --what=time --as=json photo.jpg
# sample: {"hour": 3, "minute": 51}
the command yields {"hour": 8, "minute": 20}
